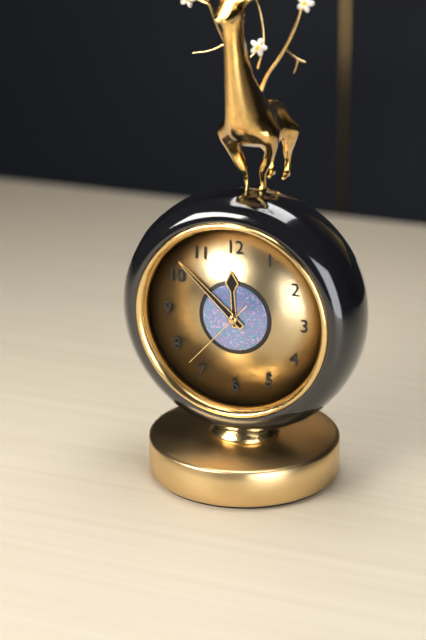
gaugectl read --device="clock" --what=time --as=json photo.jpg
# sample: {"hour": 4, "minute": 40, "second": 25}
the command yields {"hour": 11, "minute": 52, "second": 37}
